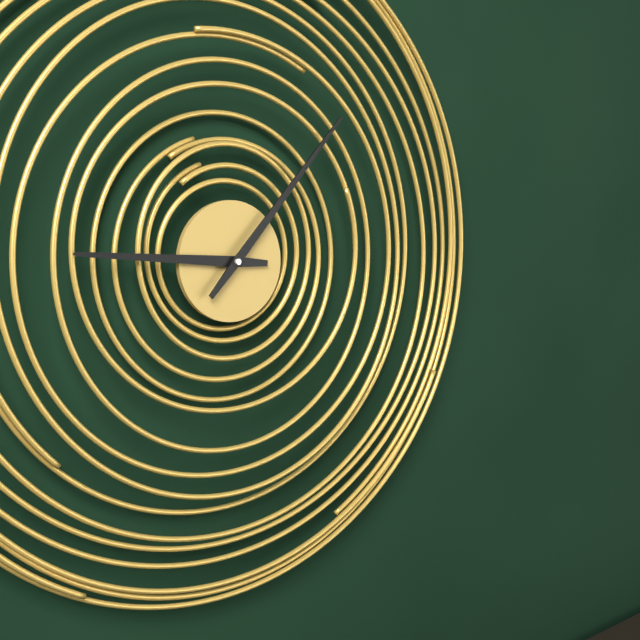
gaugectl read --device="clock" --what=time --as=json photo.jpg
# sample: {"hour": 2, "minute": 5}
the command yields {"hour": 9, "minute": 7}
